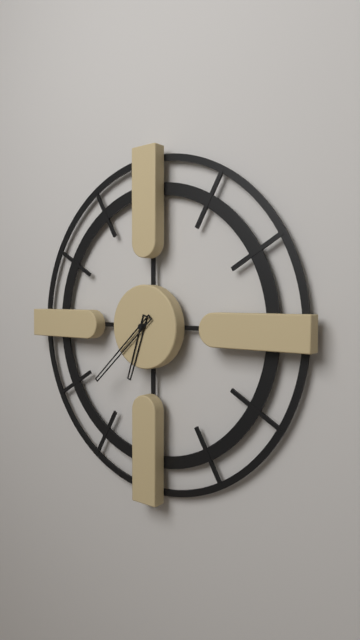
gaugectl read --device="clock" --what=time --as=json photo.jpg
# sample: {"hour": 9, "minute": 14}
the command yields {"hour": 6, "minute": 38}
